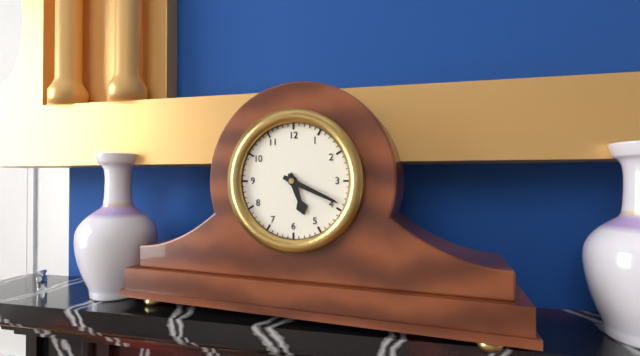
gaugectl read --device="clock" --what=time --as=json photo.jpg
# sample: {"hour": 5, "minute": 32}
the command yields {"hour": 5, "minute": 19}
